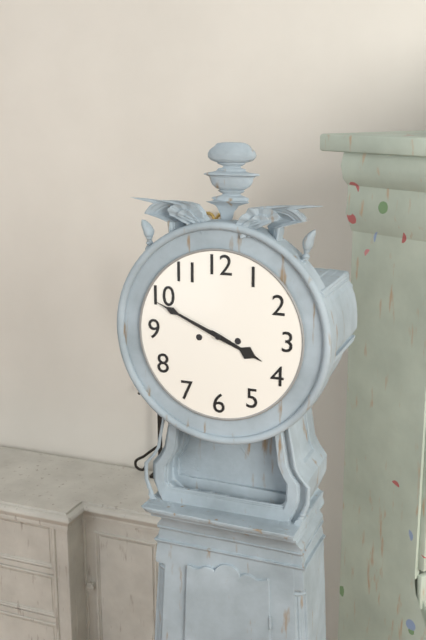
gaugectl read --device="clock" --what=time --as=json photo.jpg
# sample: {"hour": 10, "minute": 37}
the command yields {"hour": 3, "minute": 49}
